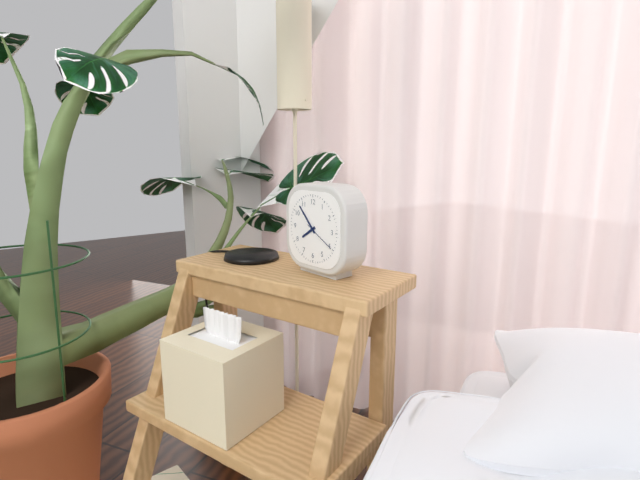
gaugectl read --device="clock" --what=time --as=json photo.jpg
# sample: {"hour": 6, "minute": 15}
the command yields {"hour": 7, "minute": 53}
